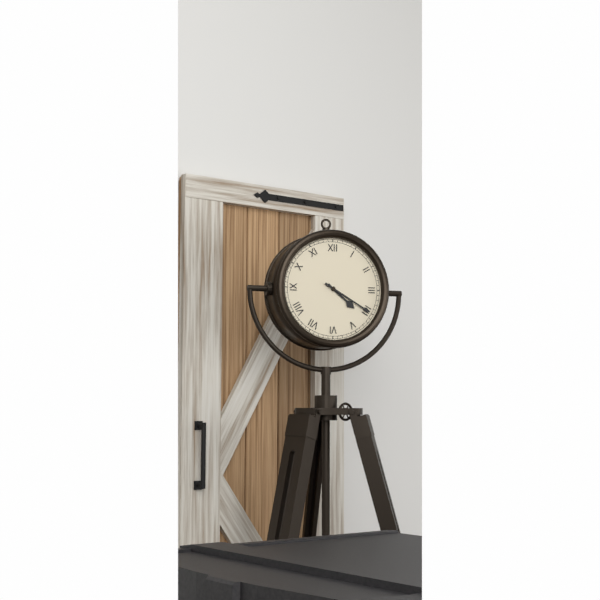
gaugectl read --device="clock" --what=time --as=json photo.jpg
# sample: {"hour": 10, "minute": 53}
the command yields {"hour": 4, "minute": 20}
